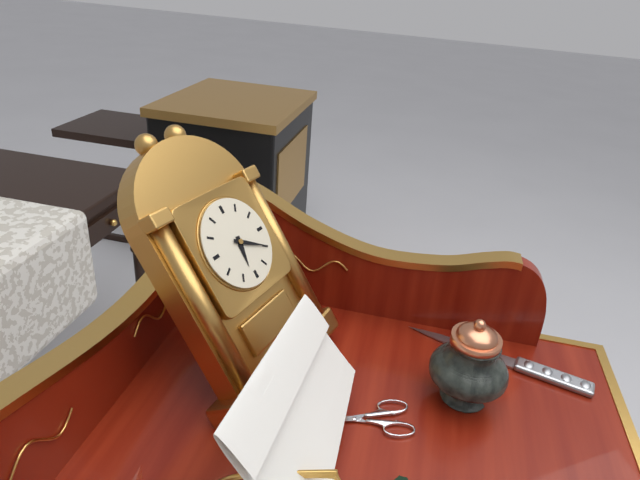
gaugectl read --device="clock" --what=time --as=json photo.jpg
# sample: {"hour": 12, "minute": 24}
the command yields {"hour": 6, "minute": 20}
